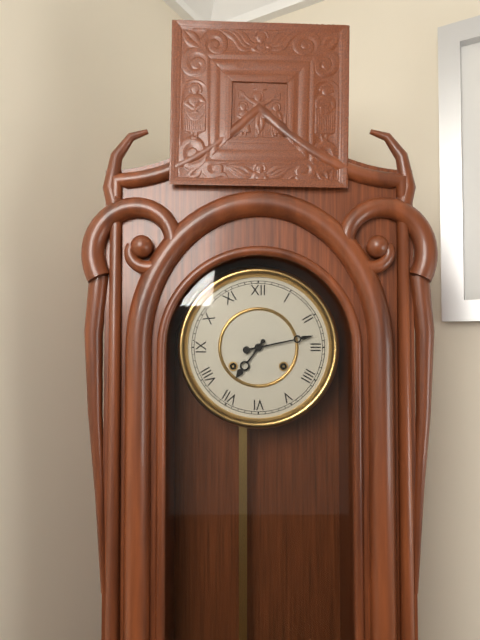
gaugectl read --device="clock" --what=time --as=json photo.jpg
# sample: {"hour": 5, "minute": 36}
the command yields {"hour": 7, "minute": 13}
